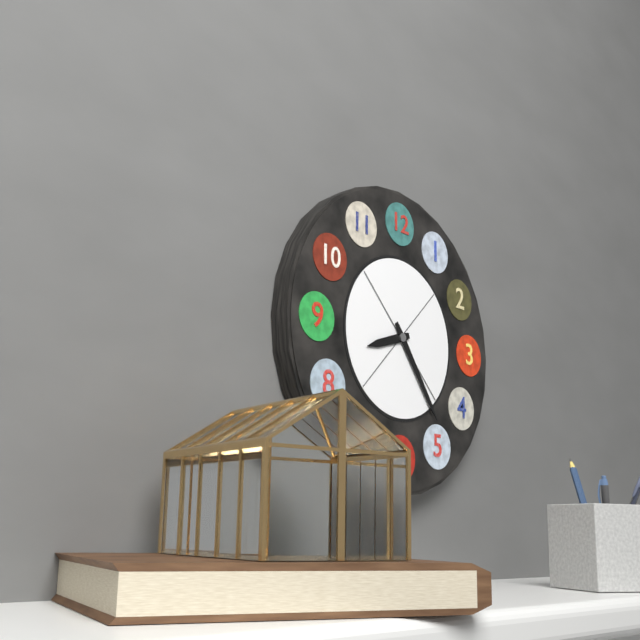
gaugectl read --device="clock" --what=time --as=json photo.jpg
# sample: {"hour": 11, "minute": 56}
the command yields {"hour": 8, "minute": 24}
